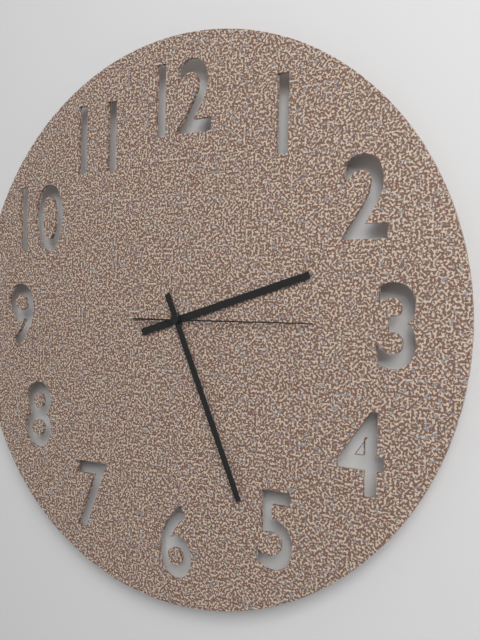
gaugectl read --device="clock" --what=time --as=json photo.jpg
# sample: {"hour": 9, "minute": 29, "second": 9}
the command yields {"hour": 2, "minute": 26, "second": 15}
